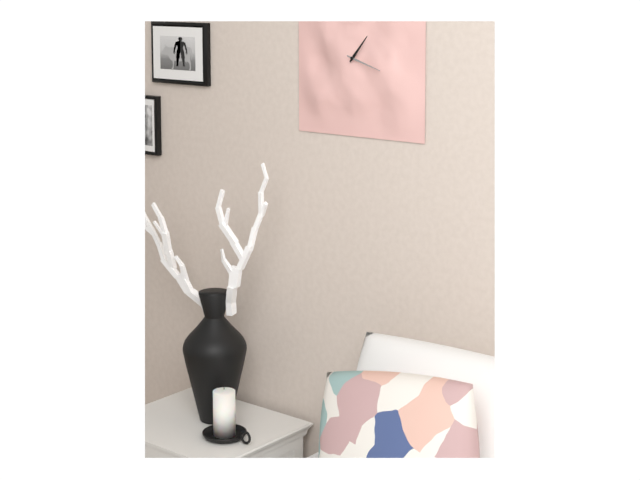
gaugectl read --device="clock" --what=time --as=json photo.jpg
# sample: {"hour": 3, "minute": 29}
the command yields {"hour": 1, "minute": 18}
